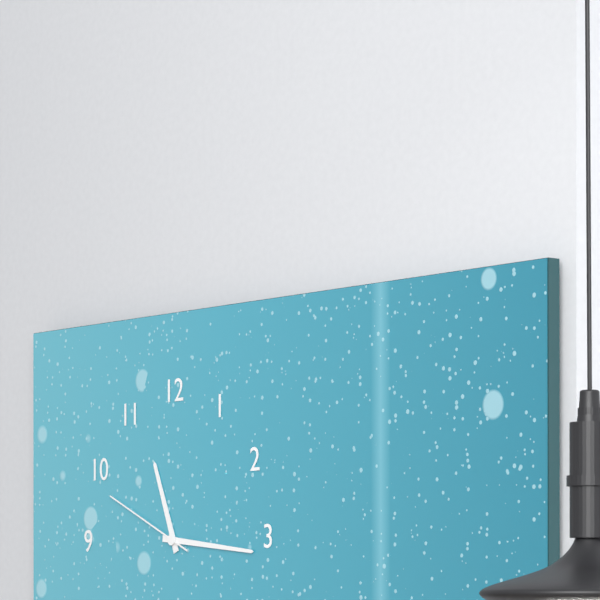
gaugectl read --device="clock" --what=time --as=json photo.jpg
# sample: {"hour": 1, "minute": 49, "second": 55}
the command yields {"hour": 11, "minute": 16, "second": 49}
